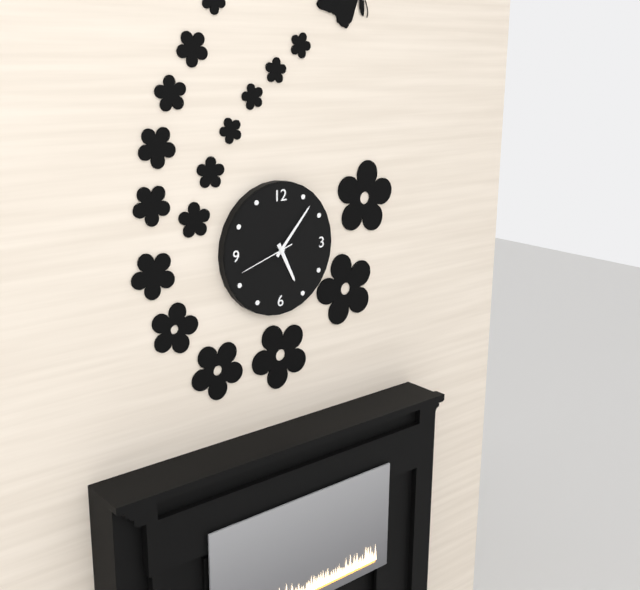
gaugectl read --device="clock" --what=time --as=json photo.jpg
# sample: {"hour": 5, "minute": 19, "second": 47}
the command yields {"hour": 5, "minute": 7, "second": 42}
